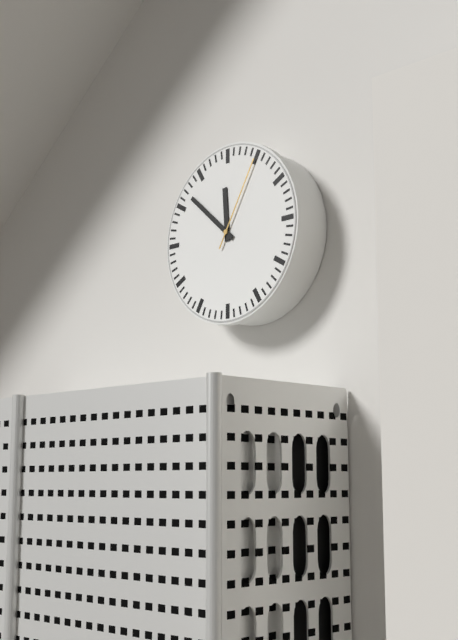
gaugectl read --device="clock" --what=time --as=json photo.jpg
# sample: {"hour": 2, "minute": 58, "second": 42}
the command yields {"hour": 11, "minute": 52, "second": 5}
